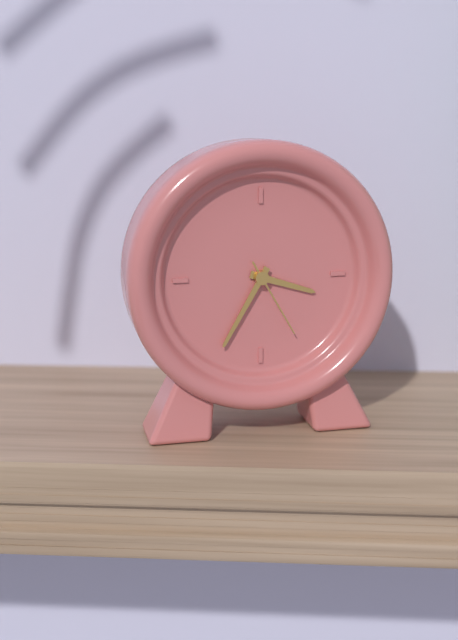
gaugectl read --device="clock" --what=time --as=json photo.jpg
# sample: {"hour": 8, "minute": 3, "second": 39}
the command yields {"hour": 3, "minute": 35, "second": 25}
